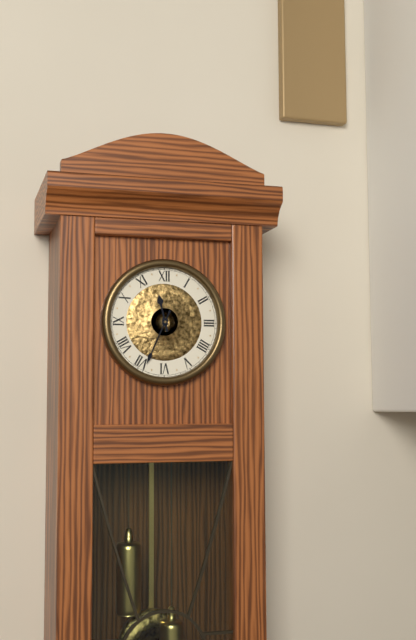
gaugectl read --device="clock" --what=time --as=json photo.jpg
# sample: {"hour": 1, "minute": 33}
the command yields {"hour": 11, "minute": 34}
